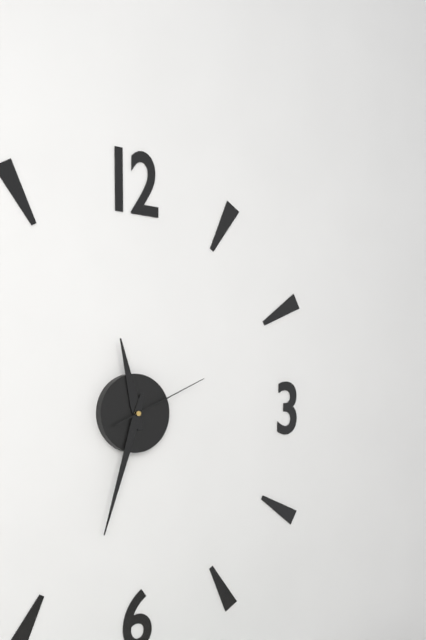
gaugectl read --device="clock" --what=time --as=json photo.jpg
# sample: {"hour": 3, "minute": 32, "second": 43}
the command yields {"hour": 11, "minute": 33, "second": 11}
